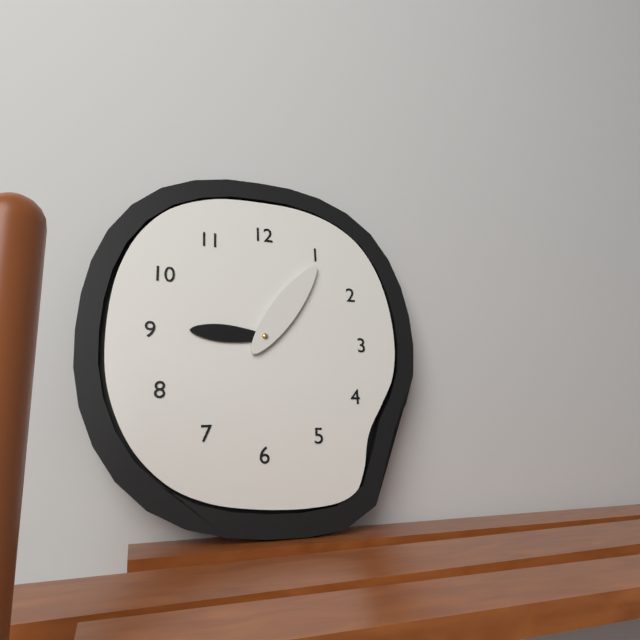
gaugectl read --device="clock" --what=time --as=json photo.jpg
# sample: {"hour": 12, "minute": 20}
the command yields {"hour": 9, "minute": 6}
